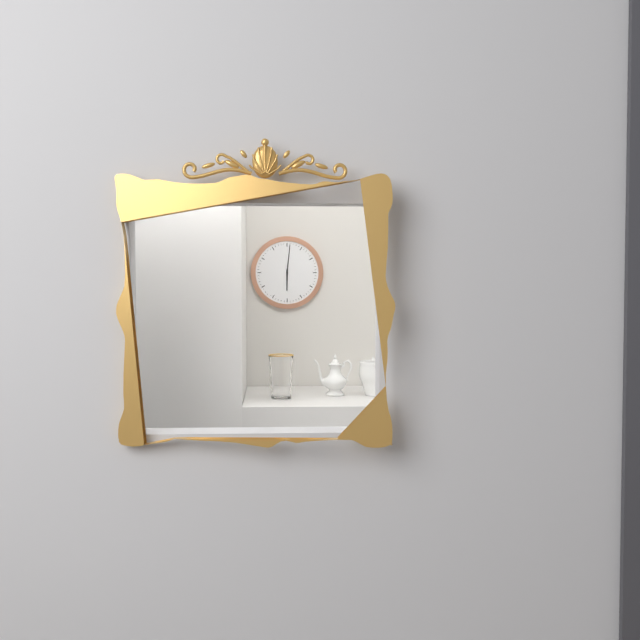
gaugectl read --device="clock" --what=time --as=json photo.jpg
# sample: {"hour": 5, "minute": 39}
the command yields {"hour": 6, "minute": 1}
